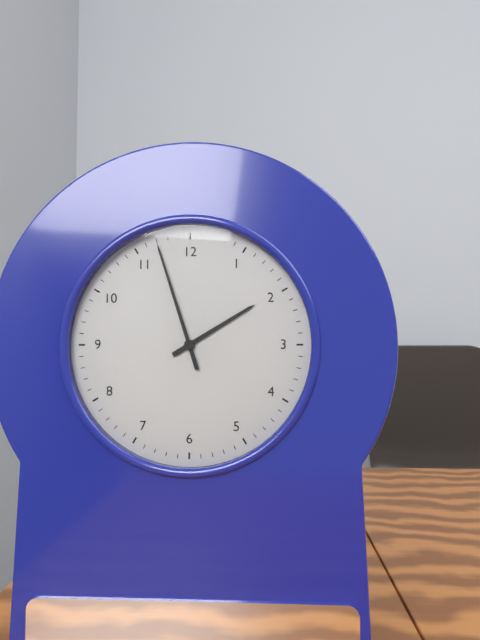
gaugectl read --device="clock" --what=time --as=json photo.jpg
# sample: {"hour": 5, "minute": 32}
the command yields {"hour": 1, "minute": 57}
